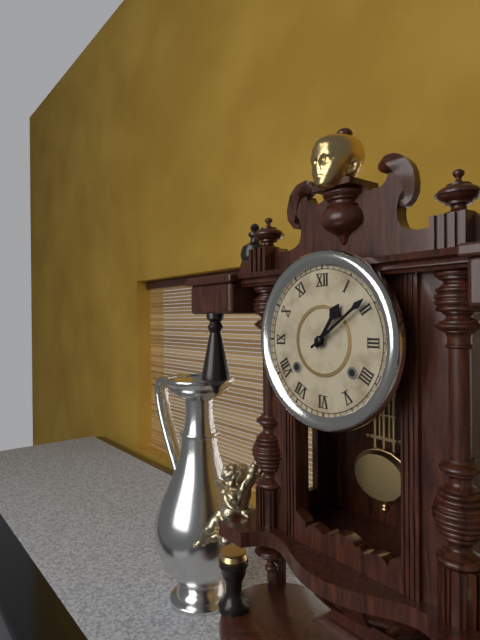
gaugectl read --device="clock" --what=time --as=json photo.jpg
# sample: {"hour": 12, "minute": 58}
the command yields {"hour": 1, "minute": 9}
